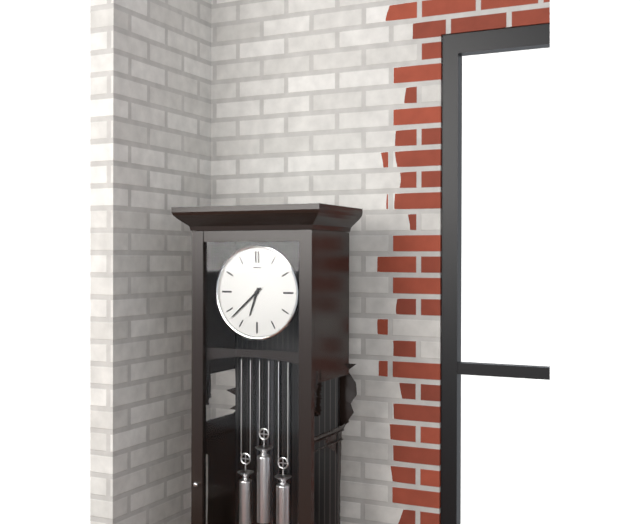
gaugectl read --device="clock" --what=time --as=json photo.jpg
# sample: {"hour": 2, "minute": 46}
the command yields {"hour": 6, "minute": 38}
